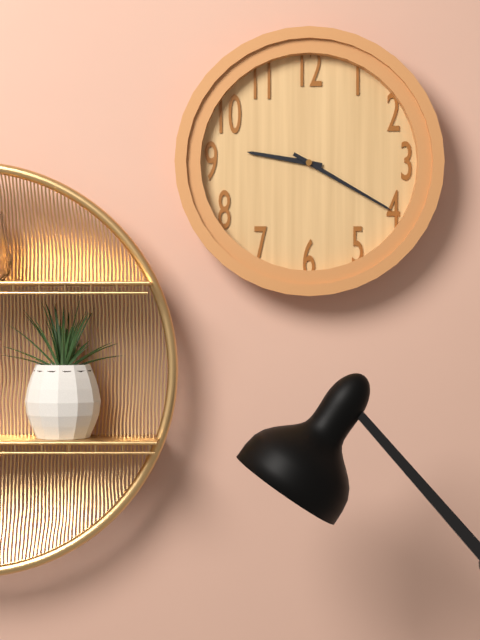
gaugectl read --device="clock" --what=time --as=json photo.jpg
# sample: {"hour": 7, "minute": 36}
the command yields {"hour": 9, "minute": 20}
